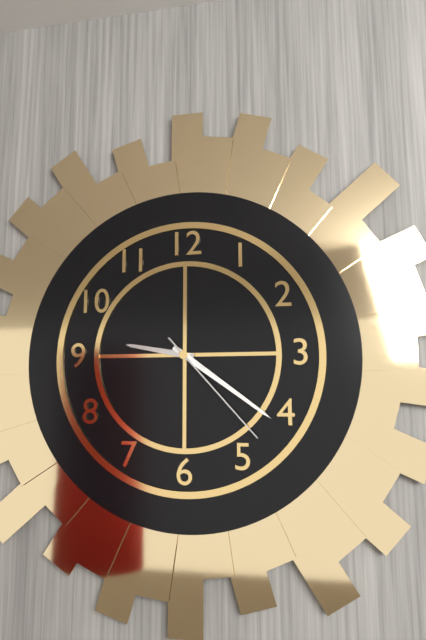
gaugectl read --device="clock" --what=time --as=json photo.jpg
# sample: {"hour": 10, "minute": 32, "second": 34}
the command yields {"hour": 9, "minute": 21, "second": 23}
